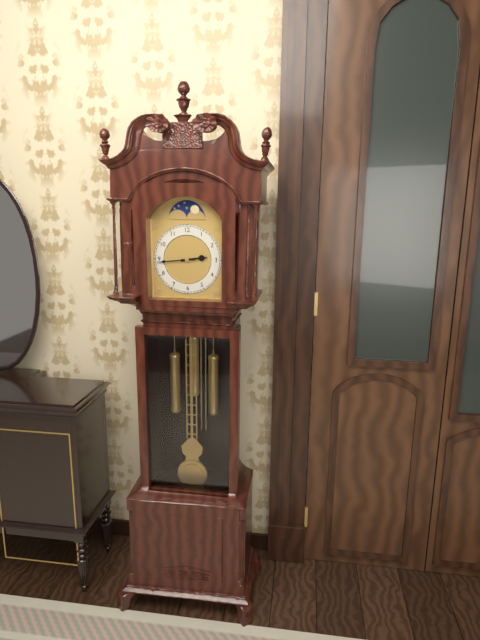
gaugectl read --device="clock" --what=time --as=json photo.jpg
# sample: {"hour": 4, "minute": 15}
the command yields {"hour": 2, "minute": 44}
